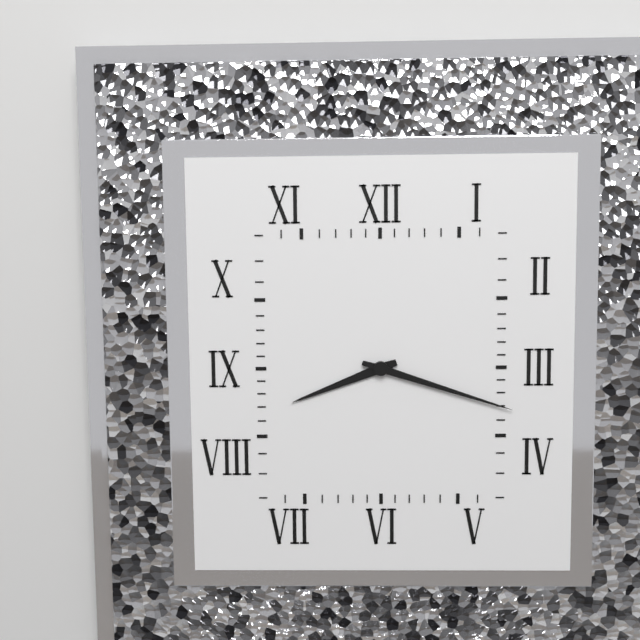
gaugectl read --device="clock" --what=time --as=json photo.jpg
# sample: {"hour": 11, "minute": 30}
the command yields {"hour": 8, "minute": 18}
